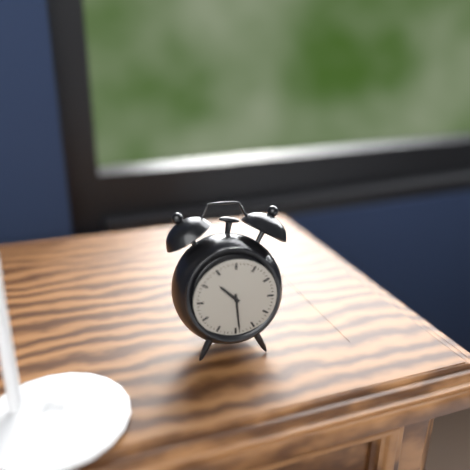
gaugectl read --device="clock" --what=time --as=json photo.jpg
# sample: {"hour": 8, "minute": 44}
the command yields {"hour": 10, "minute": 29}
